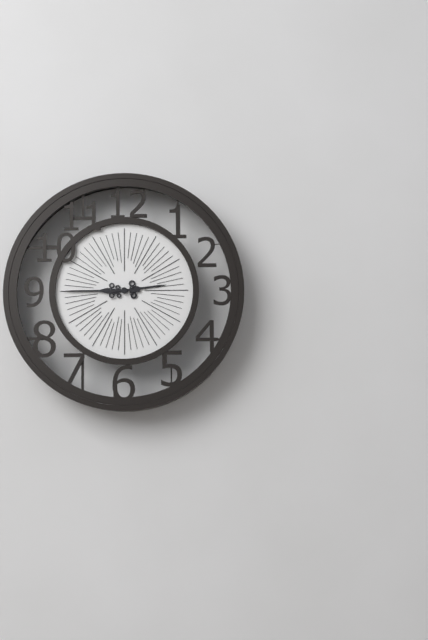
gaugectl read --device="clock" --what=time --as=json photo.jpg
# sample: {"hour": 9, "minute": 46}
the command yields {"hour": 2, "minute": 45}
